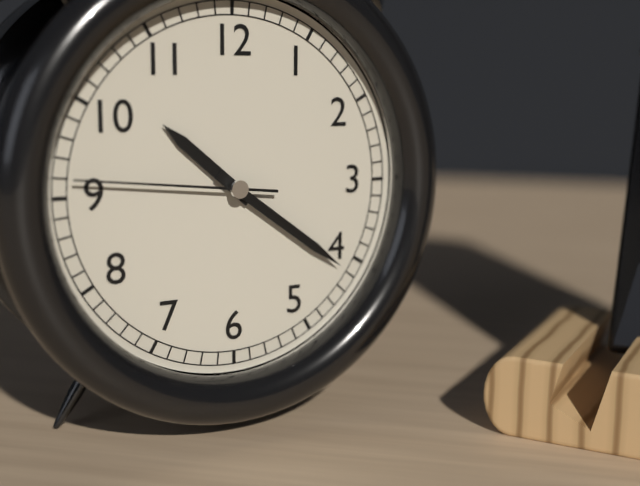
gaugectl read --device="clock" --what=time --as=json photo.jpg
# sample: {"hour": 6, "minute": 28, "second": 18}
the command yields {"hour": 10, "minute": 21, "second": 46}
